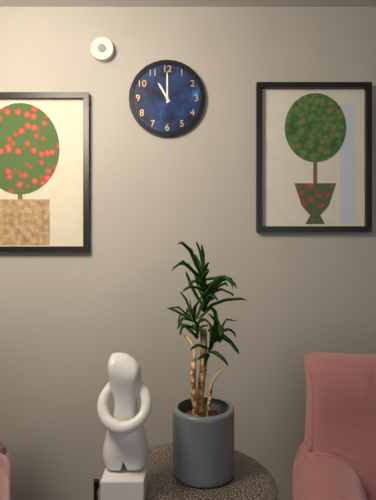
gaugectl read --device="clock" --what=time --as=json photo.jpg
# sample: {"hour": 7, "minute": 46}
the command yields {"hour": 11, "minute": 0}
